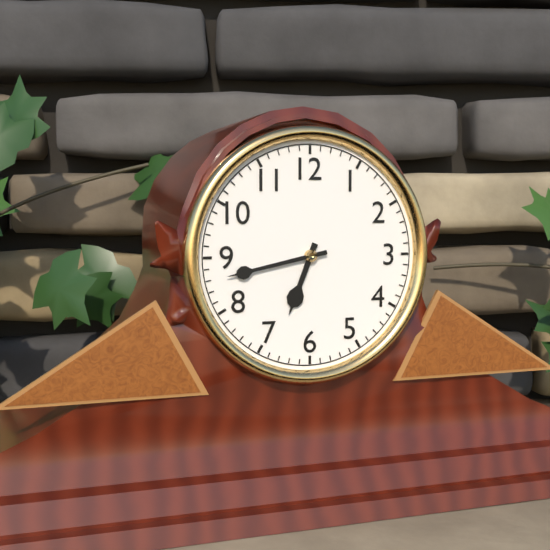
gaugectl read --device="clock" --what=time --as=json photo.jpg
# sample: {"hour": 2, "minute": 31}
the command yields {"hour": 6, "minute": 43}
